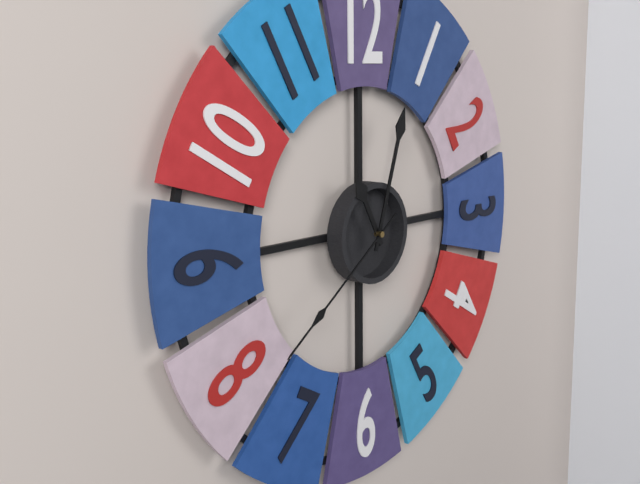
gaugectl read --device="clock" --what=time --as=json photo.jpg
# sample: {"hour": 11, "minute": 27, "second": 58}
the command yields {"hour": 11, "minute": 3, "second": 39}
